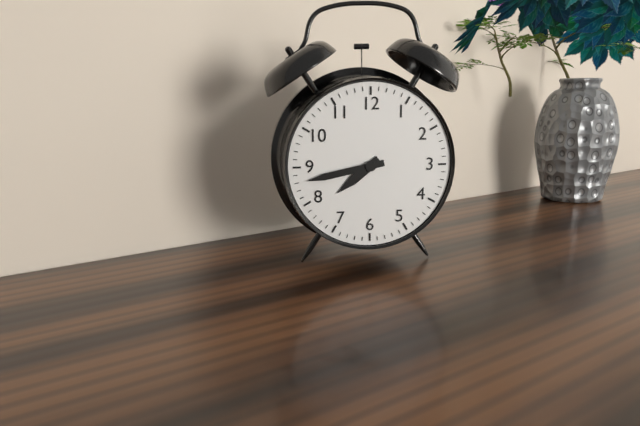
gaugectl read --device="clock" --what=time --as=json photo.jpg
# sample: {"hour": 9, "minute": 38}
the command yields {"hour": 7, "minute": 43}
